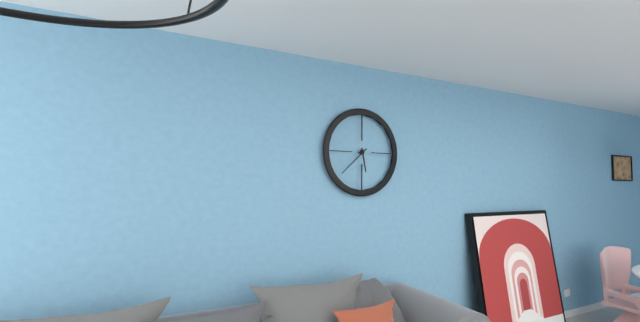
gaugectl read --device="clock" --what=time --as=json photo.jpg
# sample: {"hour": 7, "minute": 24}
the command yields {"hour": 5, "minute": 38}
